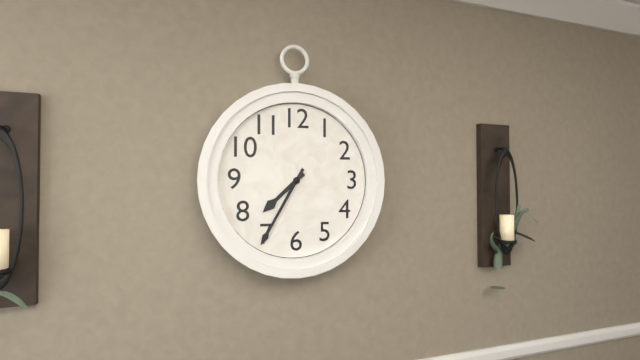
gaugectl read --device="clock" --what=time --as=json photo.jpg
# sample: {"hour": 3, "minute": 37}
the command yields {"hour": 7, "minute": 35}
